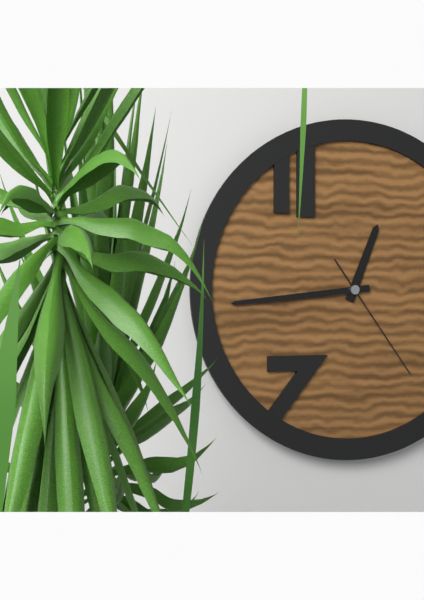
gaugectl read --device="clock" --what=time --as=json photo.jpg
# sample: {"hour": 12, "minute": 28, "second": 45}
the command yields {"hour": 12, "minute": 44, "second": 24}
